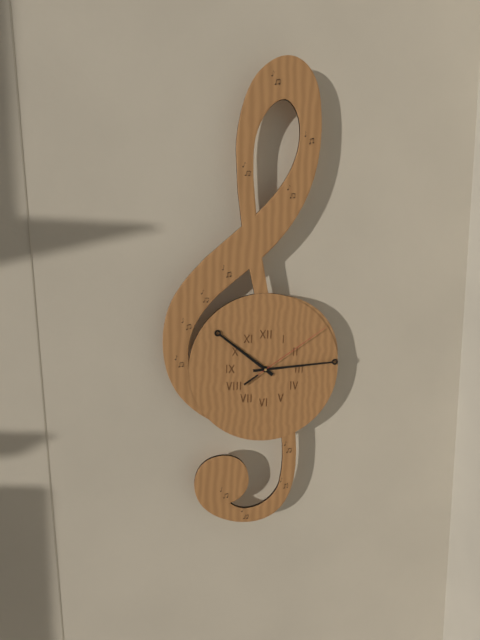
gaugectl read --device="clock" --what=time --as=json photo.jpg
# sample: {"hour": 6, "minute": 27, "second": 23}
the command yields {"hour": 10, "minute": 14, "second": 9}
